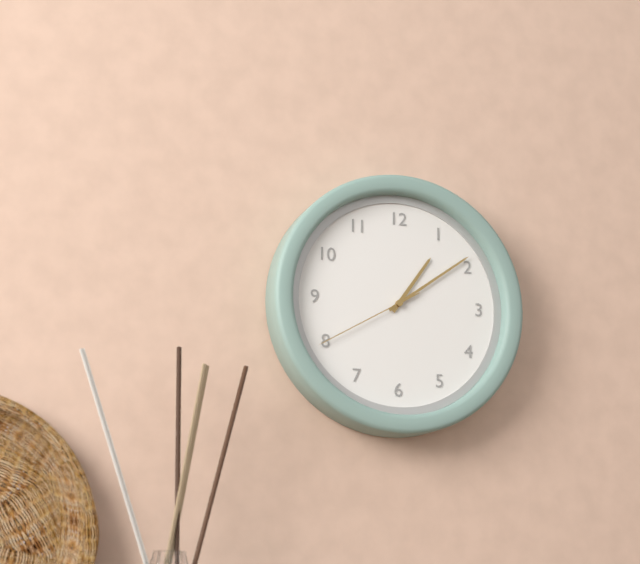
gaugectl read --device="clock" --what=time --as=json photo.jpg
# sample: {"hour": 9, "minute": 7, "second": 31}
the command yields {"hour": 1, "minute": 9, "second": 40}
